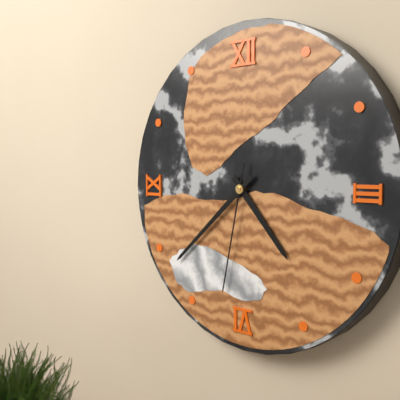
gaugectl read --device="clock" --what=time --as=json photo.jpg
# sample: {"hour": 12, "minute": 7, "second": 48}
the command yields {"hour": 4, "minute": 38, "second": 32}
